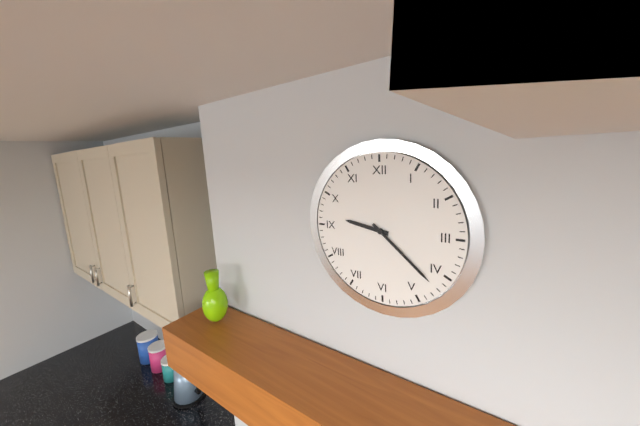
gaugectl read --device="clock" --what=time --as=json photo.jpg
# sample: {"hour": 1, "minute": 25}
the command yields {"hour": 9, "minute": 22}
